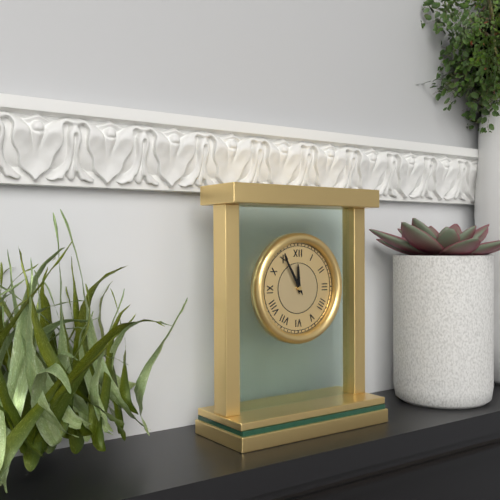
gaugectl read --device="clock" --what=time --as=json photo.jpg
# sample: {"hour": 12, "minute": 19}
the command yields {"hour": 11, "minute": 55}
